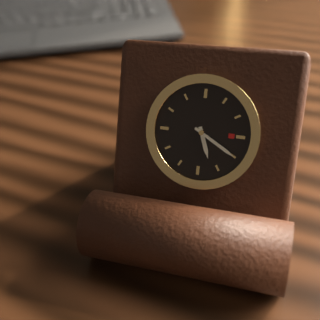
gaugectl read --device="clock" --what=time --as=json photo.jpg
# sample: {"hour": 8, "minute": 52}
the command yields {"hour": 5, "minute": 20}
